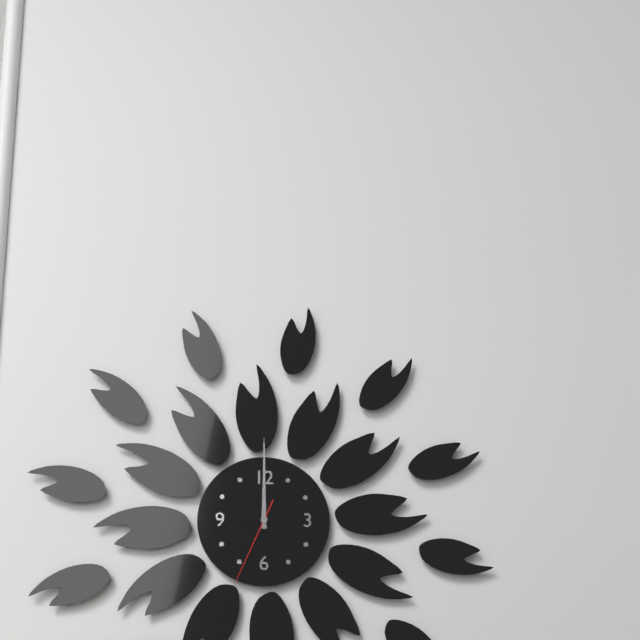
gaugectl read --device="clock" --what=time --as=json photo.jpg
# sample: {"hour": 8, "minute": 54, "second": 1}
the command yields {"hour": 12, "minute": 0, "second": 34}
